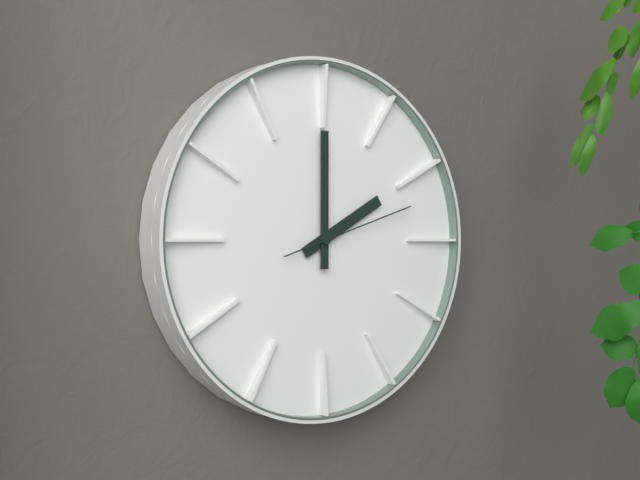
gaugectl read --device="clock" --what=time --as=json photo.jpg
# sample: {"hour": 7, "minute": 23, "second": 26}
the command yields {"hour": 2, "minute": 0, "second": 12}
